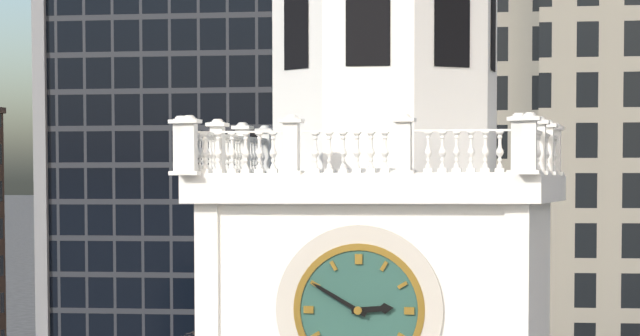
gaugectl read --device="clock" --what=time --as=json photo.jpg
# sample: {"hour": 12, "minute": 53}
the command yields {"hour": 2, "minute": 50}
